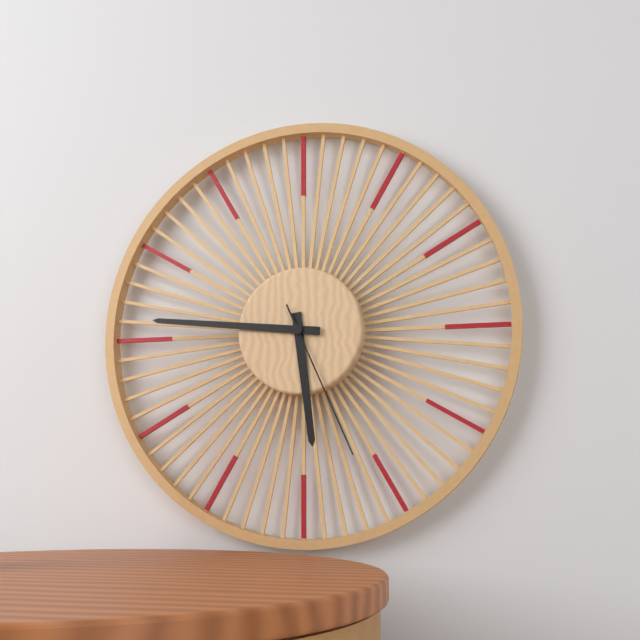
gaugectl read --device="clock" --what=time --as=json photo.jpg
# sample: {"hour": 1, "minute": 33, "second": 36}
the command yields {"hour": 5, "minute": 46, "second": 26}
